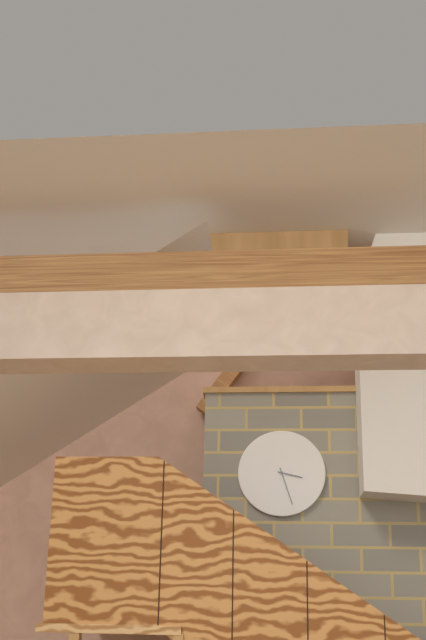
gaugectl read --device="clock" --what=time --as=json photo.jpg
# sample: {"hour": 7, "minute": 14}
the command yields {"hour": 3, "minute": 27}
